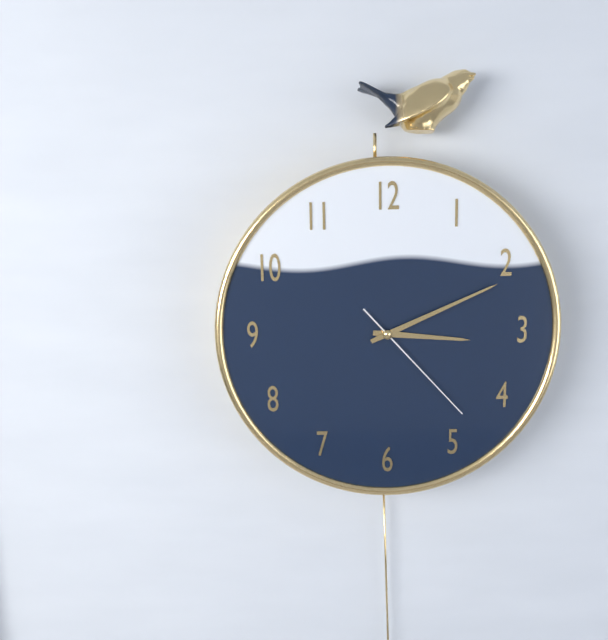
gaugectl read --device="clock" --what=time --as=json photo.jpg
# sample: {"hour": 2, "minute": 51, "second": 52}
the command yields {"hour": 3, "minute": 11, "second": 23}
